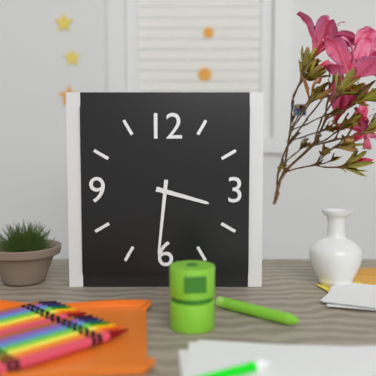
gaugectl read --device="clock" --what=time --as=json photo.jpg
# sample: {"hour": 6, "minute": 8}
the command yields {"hour": 3, "minute": 31}
